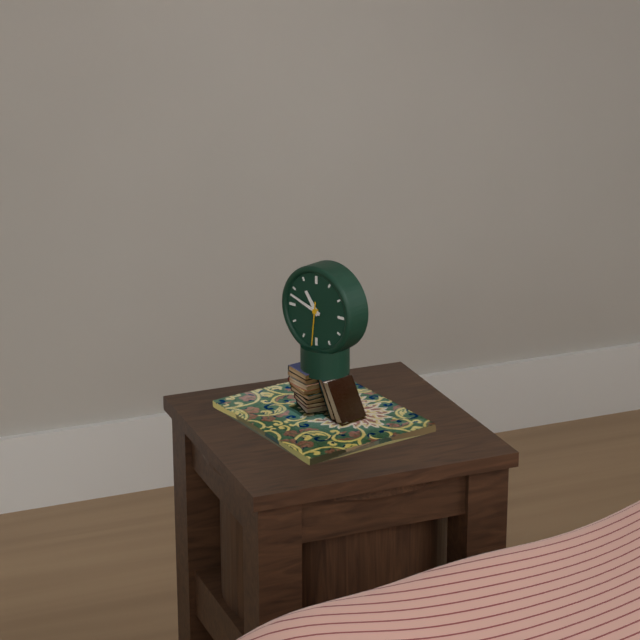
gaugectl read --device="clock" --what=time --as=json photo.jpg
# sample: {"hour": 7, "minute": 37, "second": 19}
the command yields {"hour": 10, "minute": 48, "second": 31}
